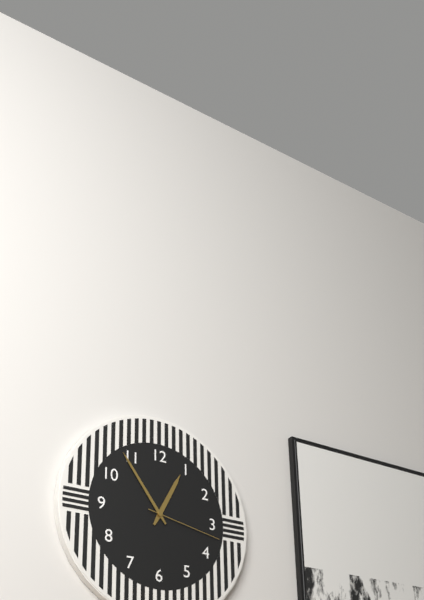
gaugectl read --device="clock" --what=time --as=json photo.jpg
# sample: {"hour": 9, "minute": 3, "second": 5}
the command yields {"hour": 12, "minute": 54, "second": 17}
